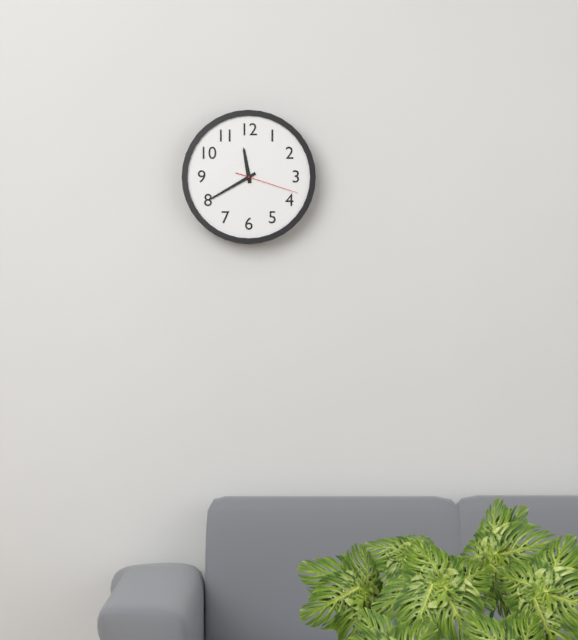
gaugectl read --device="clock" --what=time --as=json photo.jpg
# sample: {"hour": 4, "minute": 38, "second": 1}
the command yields {"hour": 11, "minute": 40, "second": 18}
